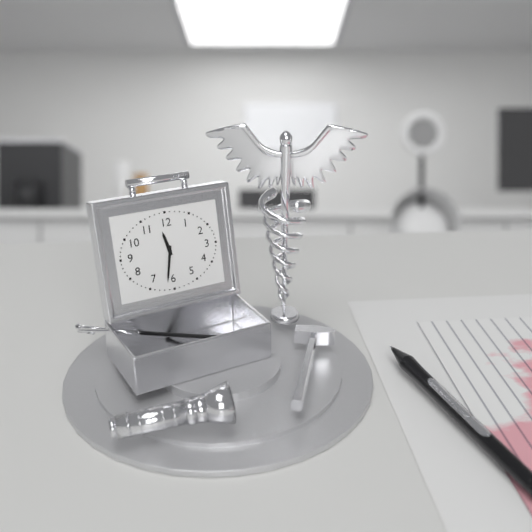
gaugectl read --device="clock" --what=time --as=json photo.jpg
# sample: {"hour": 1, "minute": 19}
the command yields {"hour": 11, "minute": 32}
